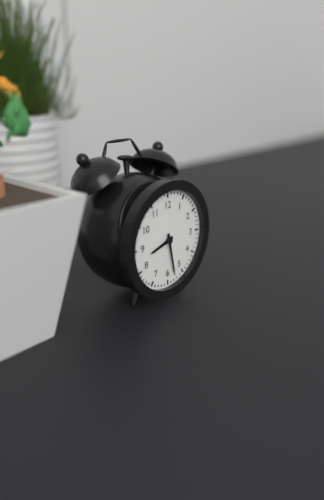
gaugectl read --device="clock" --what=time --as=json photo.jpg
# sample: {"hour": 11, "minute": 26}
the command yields {"hour": 8, "minute": 28}
